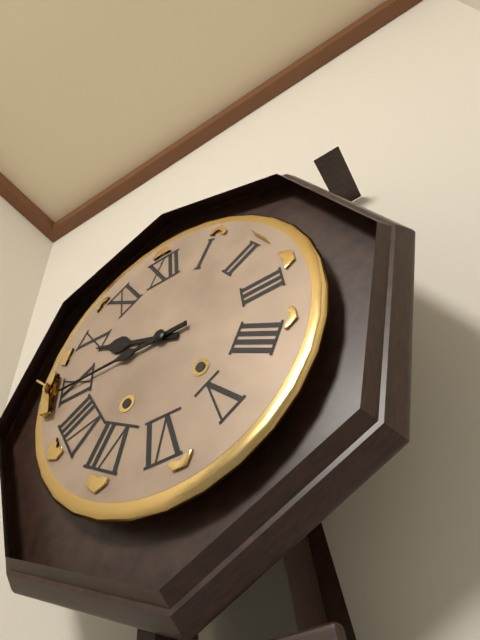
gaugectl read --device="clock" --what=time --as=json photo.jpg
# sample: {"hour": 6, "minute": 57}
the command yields {"hour": 9, "minute": 45}
